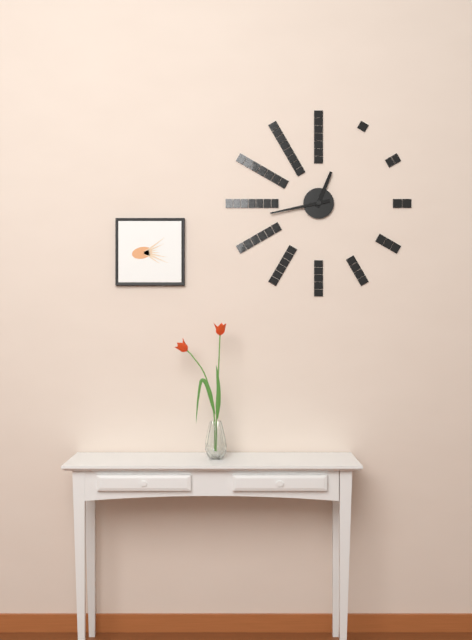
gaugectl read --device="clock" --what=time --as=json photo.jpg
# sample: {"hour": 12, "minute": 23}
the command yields {"hour": 12, "minute": 43}
